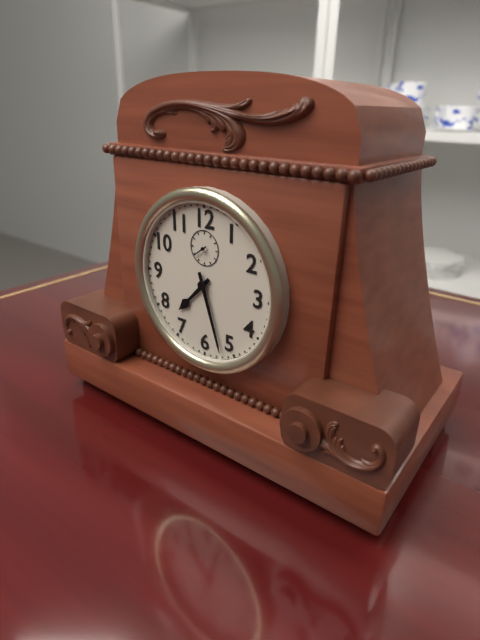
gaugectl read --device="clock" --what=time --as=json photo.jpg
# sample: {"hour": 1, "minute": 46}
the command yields {"hour": 7, "minute": 27}
